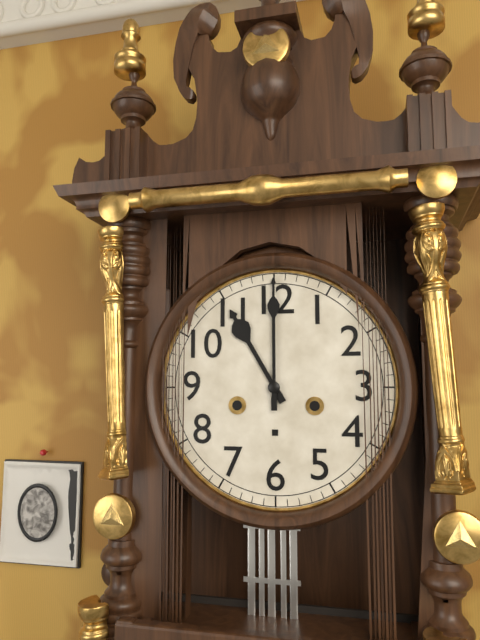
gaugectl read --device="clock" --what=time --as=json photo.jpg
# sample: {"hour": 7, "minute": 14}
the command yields {"hour": 11, "minute": 0}
